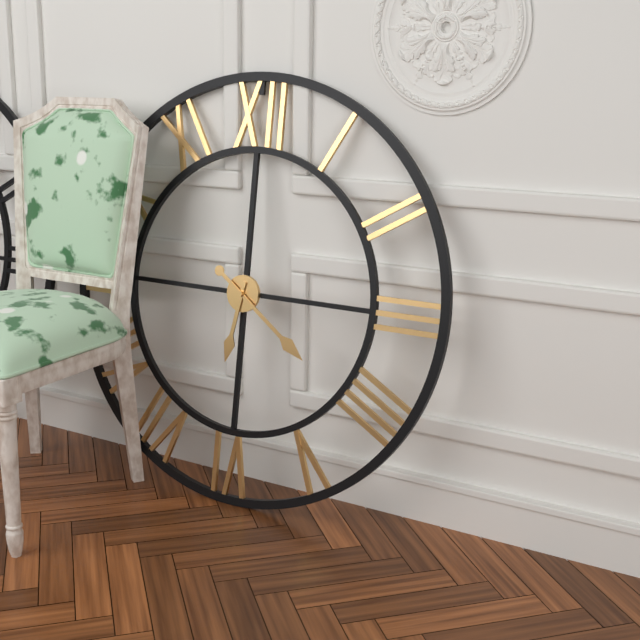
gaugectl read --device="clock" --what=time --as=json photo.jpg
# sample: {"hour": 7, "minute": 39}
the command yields {"hour": 6, "minute": 21}
